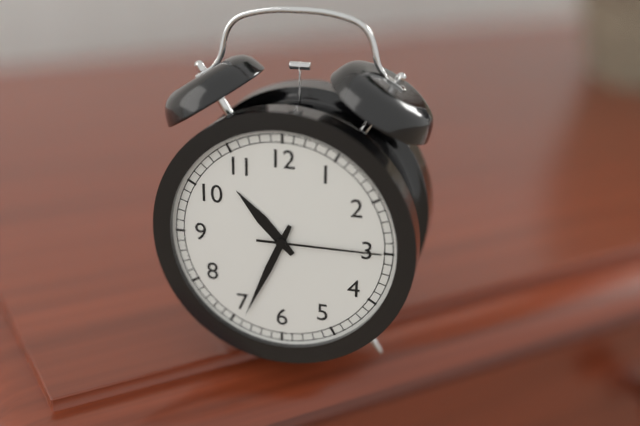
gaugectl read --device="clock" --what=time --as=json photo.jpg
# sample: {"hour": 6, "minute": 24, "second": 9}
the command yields {"hour": 10, "minute": 34, "second": 15}
